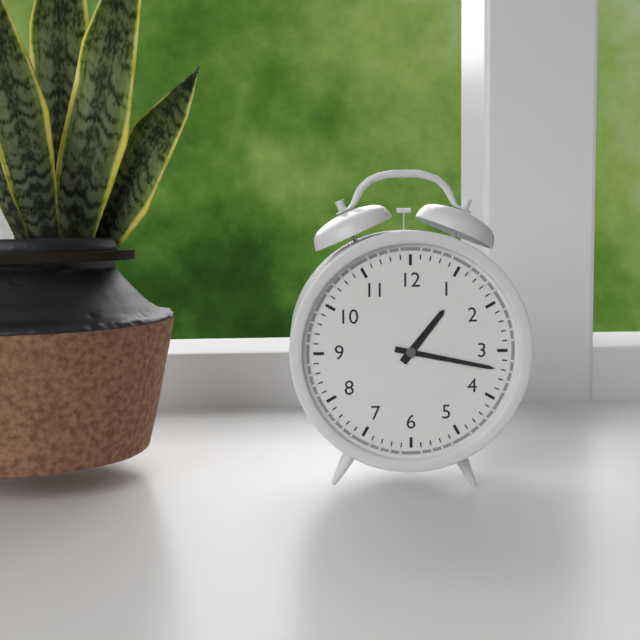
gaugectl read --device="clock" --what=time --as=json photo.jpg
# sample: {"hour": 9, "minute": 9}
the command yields {"hour": 1, "minute": 17}
